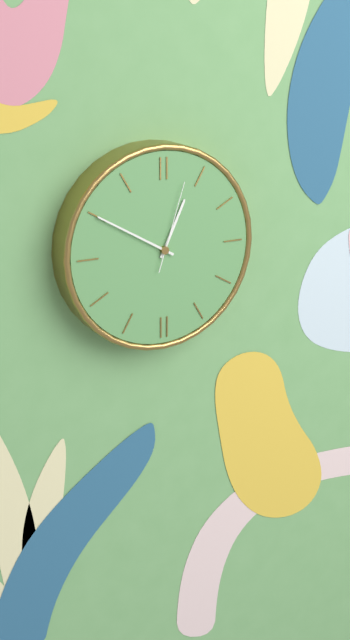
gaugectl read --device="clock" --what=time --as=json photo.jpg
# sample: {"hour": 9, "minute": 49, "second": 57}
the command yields {"hour": 12, "minute": 50, "second": 3}
